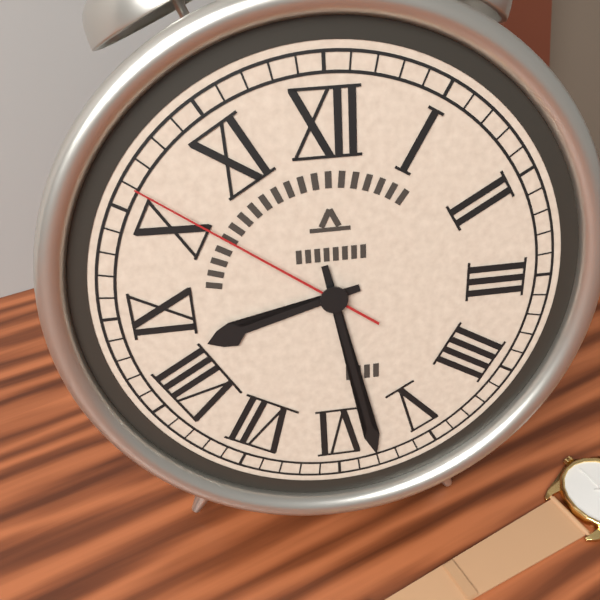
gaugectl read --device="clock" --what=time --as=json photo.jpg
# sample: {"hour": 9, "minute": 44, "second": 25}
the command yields {"hour": 8, "minute": 28, "second": 51}
